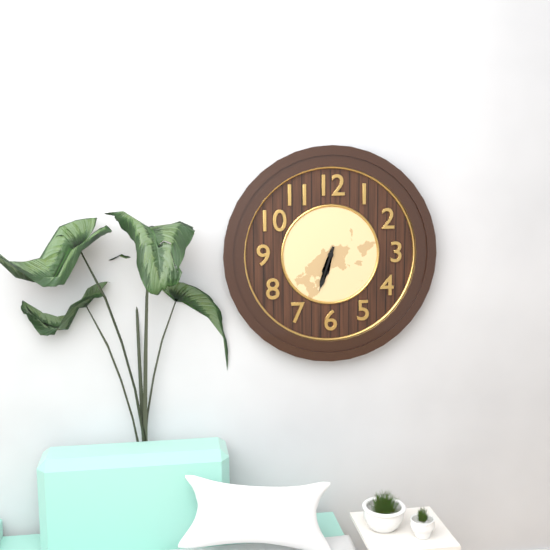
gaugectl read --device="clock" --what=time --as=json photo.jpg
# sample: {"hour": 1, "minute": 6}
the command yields {"hour": 6, "minute": 33}
